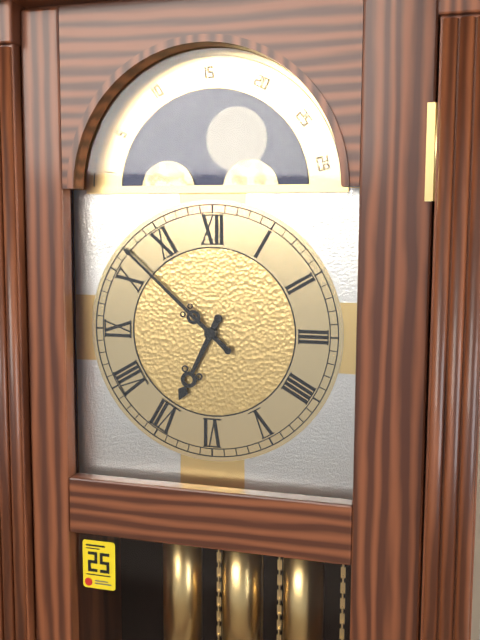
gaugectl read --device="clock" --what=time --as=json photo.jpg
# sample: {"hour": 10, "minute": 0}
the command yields {"hour": 6, "minute": 52}
